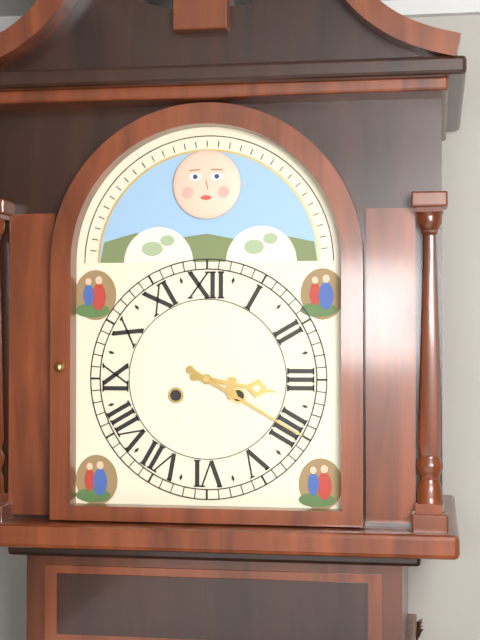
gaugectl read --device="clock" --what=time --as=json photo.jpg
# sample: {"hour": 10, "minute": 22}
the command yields {"hour": 3, "minute": 20}
